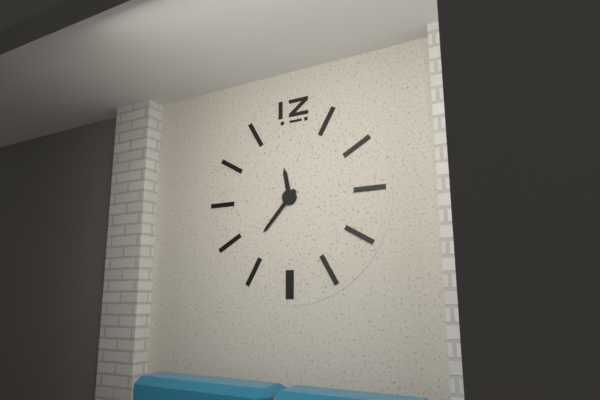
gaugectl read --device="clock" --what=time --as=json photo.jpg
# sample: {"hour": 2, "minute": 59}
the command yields {"hour": 11, "minute": 37}
